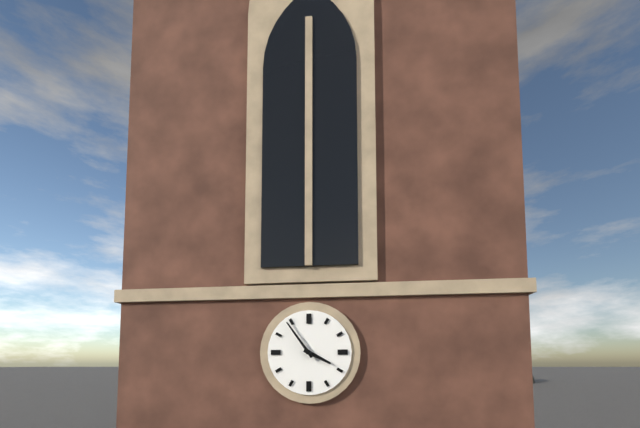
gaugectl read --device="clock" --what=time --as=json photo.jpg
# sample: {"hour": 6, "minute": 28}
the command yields {"hour": 3, "minute": 54}
